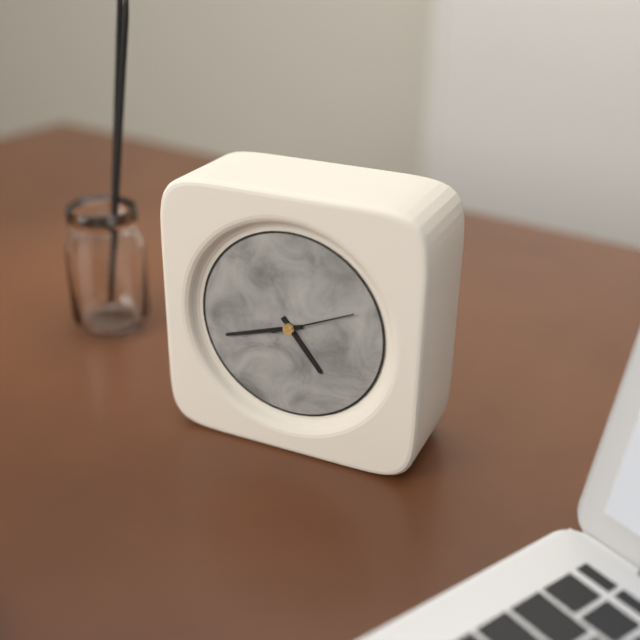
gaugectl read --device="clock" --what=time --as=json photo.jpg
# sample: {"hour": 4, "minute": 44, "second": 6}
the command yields {"hour": 4, "minute": 42, "second": 11}
